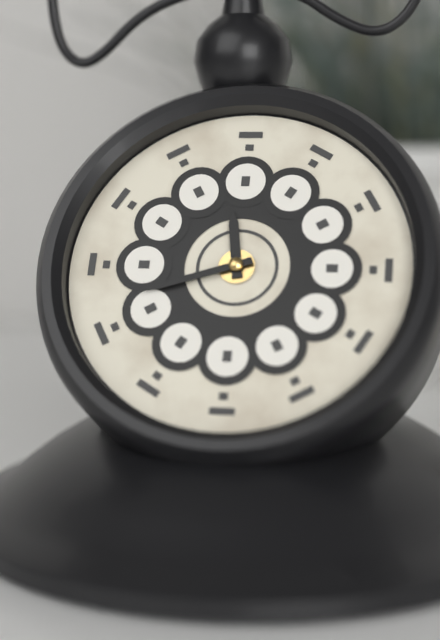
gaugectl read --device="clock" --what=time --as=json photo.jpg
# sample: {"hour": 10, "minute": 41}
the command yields {"hour": 11, "minute": 42}
